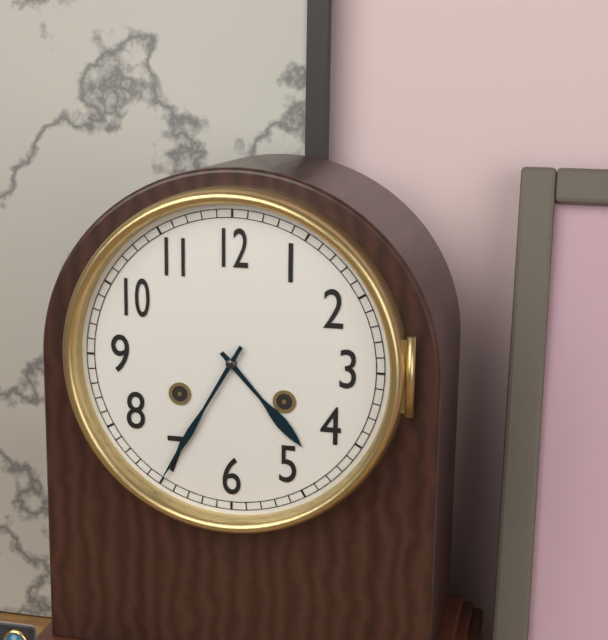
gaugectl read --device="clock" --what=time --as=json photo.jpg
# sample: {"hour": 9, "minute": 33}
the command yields {"hour": 4, "minute": 35}
